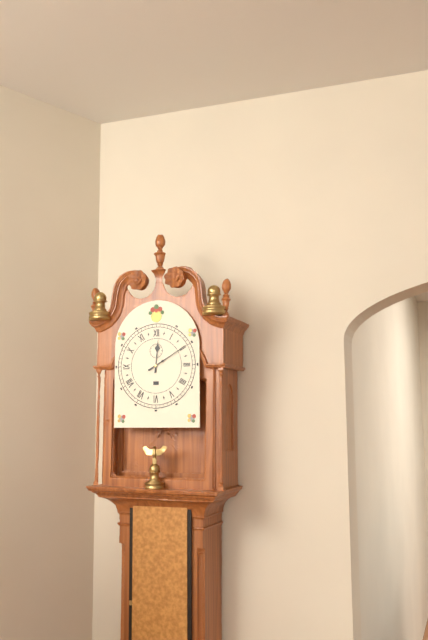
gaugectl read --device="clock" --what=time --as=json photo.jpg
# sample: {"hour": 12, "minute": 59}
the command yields {"hour": 12, "minute": 10}
